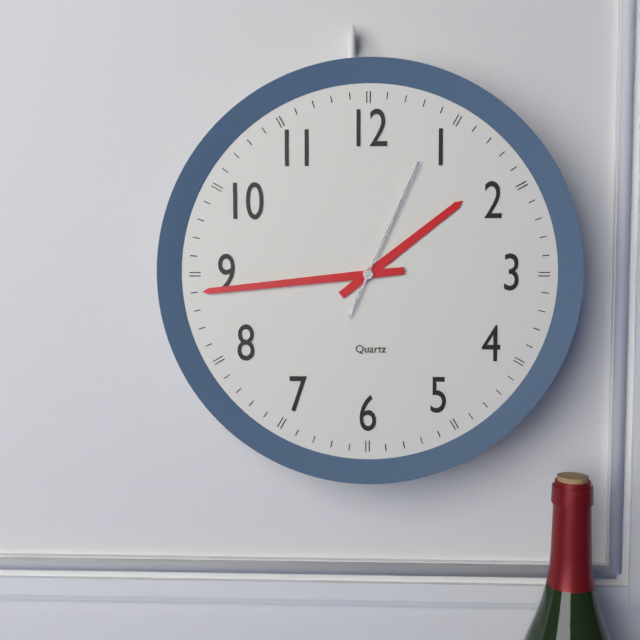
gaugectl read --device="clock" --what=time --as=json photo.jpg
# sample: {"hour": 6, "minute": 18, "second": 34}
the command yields {"hour": 1, "minute": 44, "second": 4}
